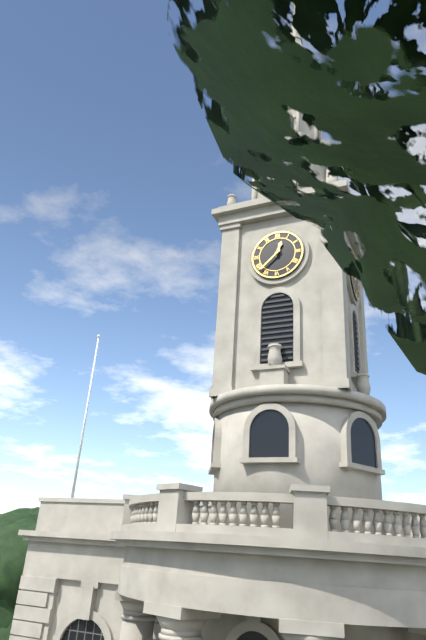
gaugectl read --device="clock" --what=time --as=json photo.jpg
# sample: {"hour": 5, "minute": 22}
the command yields {"hour": 12, "minute": 38}
